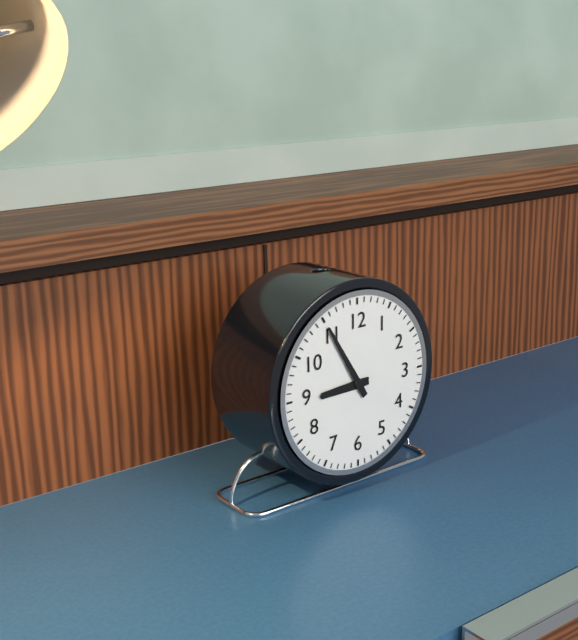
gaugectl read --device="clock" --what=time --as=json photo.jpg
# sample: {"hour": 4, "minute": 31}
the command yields {"hour": 8, "minute": 55}
